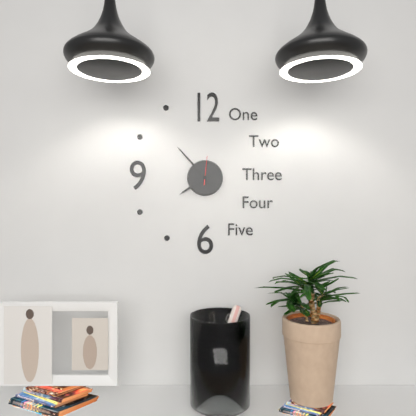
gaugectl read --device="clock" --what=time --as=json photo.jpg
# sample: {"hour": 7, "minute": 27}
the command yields {"hour": 7, "minute": 53}
